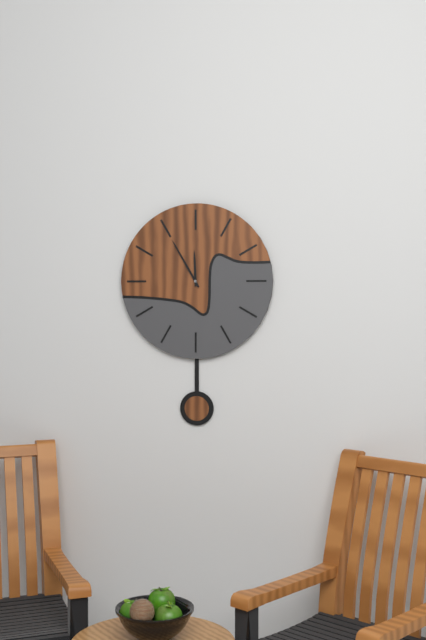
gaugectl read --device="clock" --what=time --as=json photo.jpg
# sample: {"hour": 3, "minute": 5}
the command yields {"hour": 11, "minute": 55}
